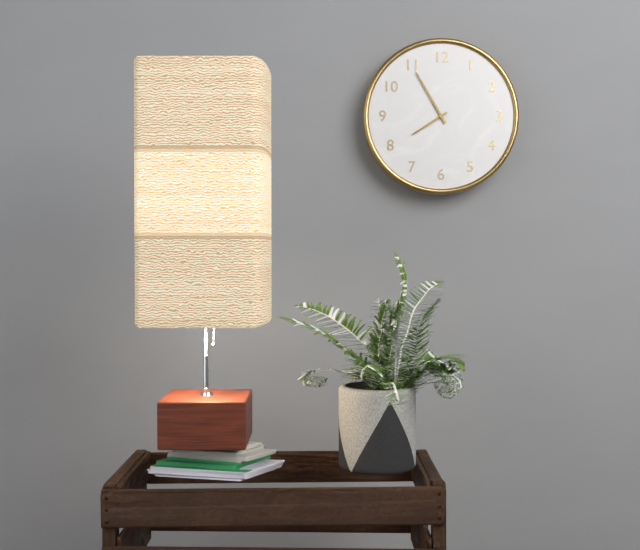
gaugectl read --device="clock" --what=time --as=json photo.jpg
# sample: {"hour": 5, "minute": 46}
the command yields {"hour": 7, "minute": 55}
